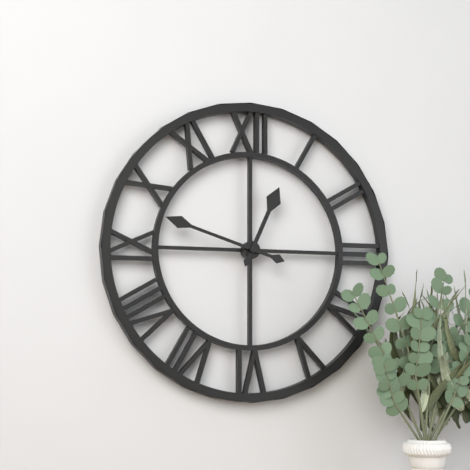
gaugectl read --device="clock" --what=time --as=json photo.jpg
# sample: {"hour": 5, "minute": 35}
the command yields {"hour": 12, "minute": 48}
